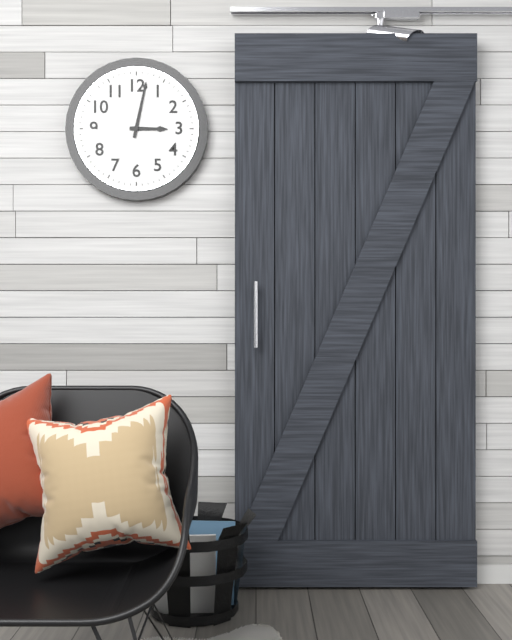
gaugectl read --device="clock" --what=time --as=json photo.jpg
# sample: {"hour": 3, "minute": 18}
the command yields {"hour": 3, "minute": 2}
